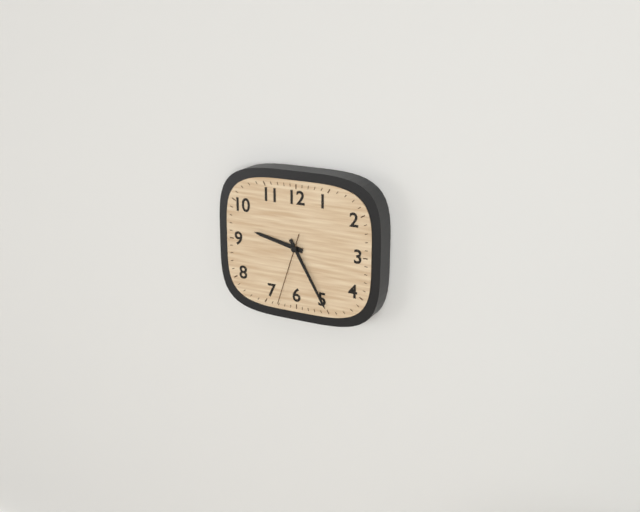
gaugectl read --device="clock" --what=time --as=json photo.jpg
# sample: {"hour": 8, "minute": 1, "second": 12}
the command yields {"hour": 9, "minute": 25, "second": 33}
